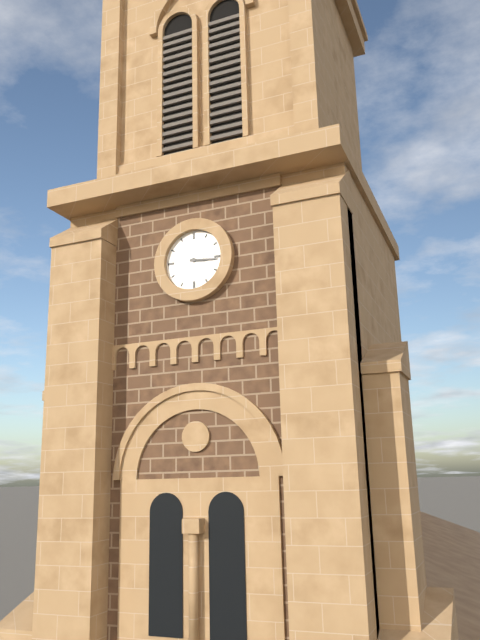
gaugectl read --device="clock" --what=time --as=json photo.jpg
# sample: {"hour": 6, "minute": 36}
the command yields {"hour": 3, "minute": 16}
